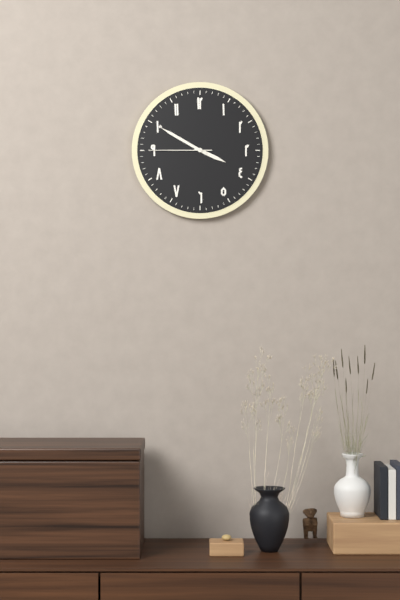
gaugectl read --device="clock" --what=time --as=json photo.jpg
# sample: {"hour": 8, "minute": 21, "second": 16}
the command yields {"hour": 3, "minute": 50, "second": 45}
